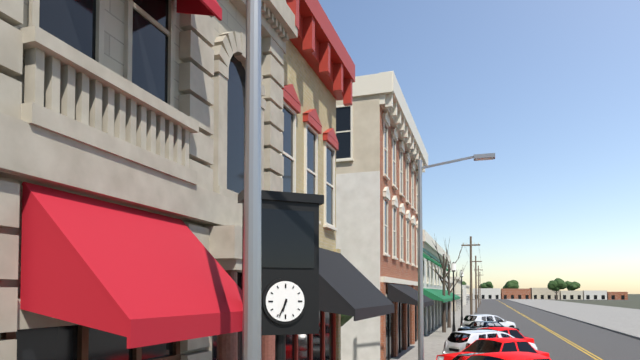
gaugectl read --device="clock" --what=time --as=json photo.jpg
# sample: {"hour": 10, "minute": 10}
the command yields {"hour": 6, "minute": 34}
